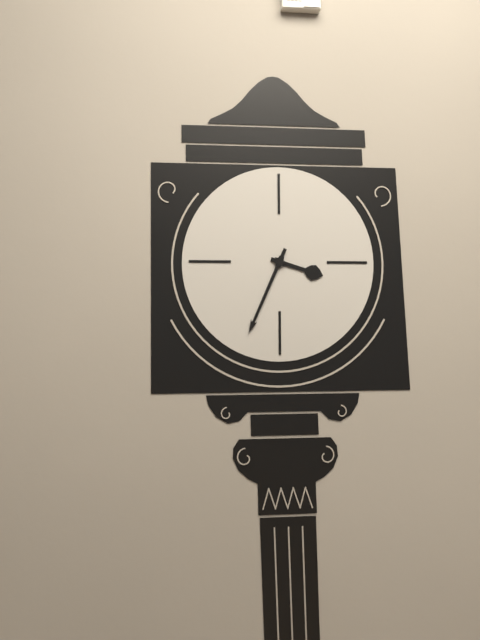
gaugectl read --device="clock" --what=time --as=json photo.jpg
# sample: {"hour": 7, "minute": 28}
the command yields {"hour": 3, "minute": 34}
